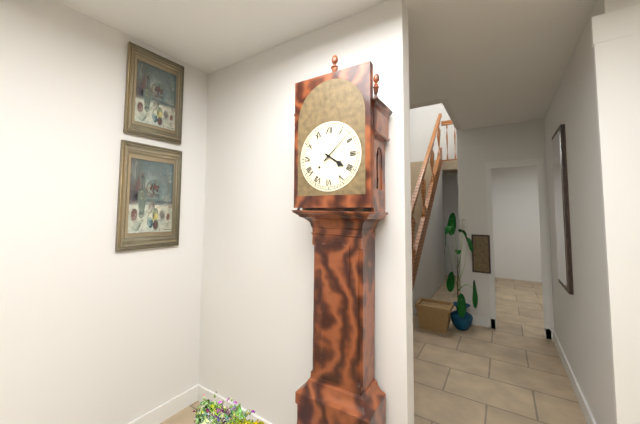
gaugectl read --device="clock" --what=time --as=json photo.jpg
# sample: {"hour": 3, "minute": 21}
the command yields {"hour": 4, "minute": 8}
